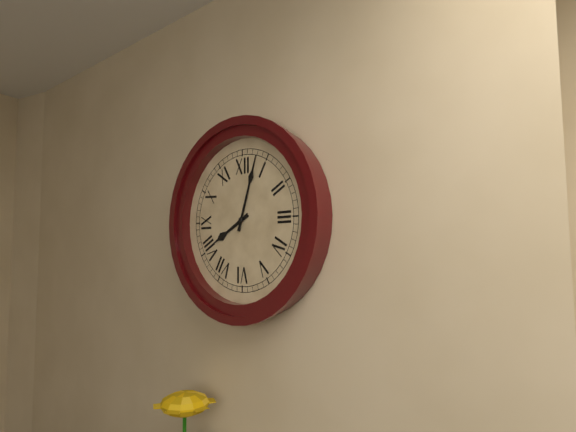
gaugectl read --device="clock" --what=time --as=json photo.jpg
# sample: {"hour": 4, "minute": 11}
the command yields {"hour": 8, "minute": 3}
